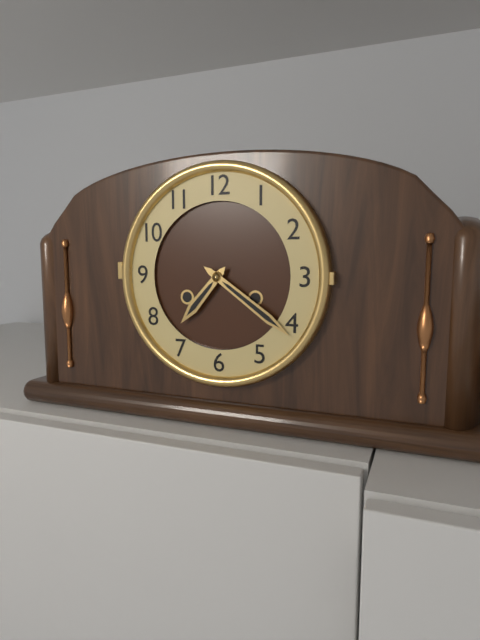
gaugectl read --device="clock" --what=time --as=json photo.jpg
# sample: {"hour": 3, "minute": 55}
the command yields {"hour": 7, "minute": 21}
